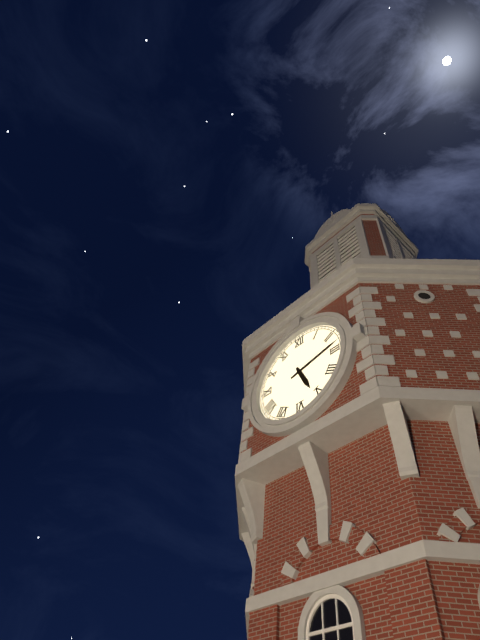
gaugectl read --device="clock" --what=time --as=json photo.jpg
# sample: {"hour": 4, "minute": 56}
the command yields {"hour": 5, "minute": 13}
